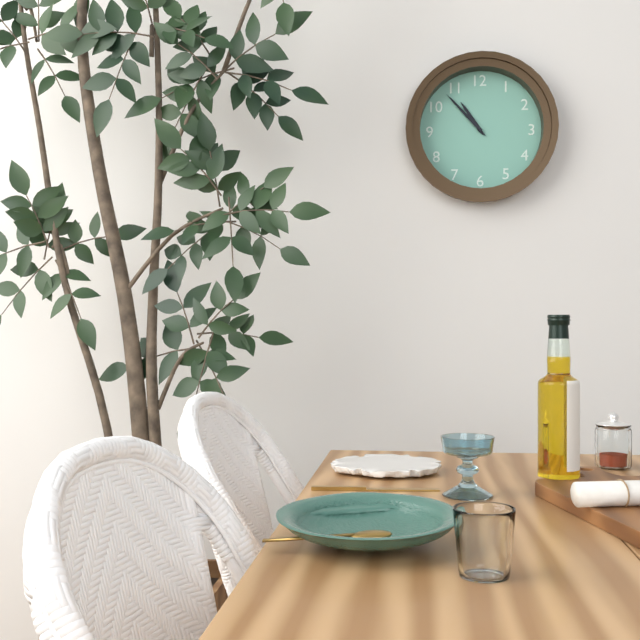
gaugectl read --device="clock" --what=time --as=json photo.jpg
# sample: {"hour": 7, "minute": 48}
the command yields {"hour": 10, "minute": 53}
